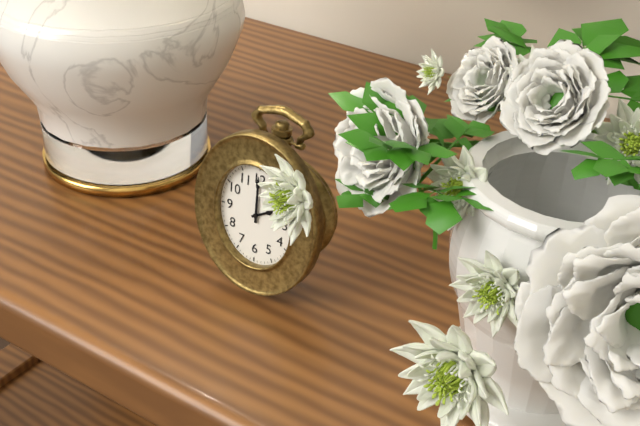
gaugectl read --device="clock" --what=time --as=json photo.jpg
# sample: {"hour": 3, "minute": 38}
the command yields {"hour": 2, "minute": 0}
